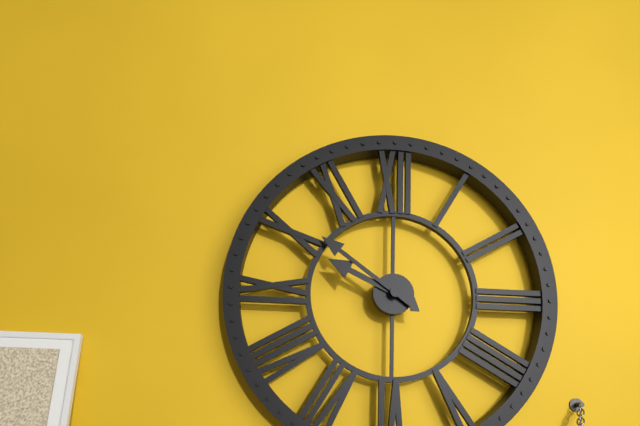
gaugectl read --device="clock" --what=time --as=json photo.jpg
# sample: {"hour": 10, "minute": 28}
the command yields {"hour": 9, "minute": 51}
